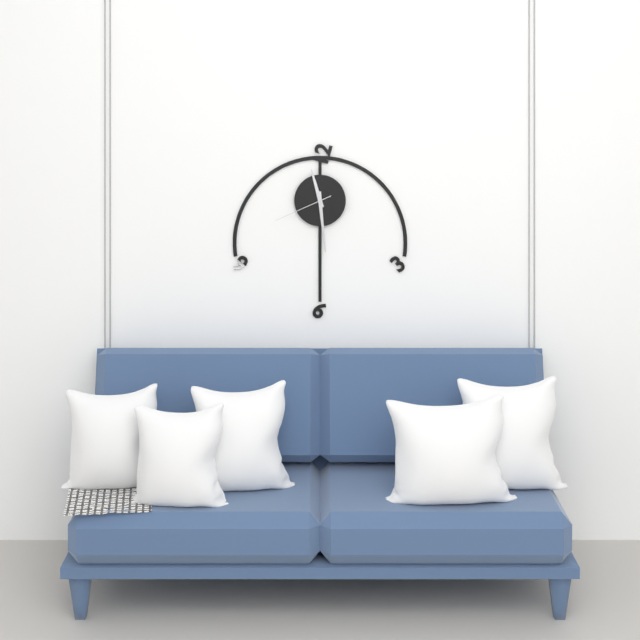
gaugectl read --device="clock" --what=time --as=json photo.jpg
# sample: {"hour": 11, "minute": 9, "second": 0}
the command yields {"hour": 11, "minute": 29, "second": 41}
